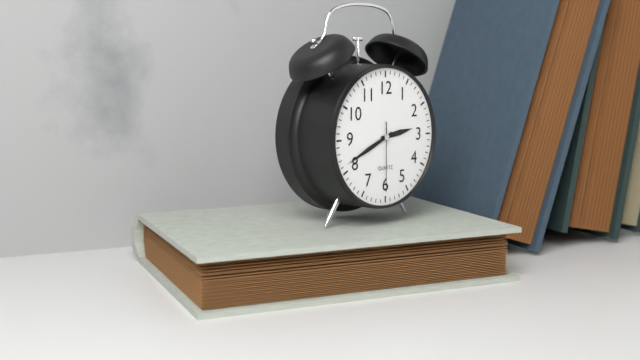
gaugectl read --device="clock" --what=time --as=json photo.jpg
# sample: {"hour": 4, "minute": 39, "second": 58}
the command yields {"hour": 2, "minute": 41, "second": 30}
